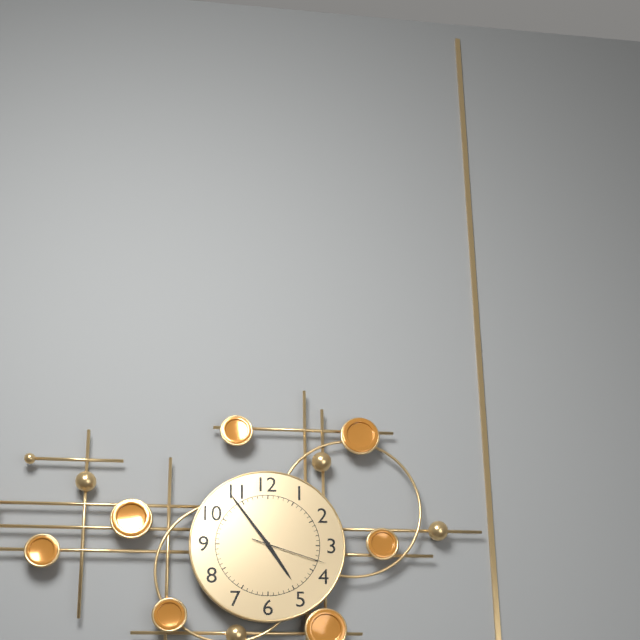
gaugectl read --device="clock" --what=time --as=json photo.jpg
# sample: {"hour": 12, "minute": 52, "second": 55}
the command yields {"hour": 4, "minute": 54, "second": 18}
